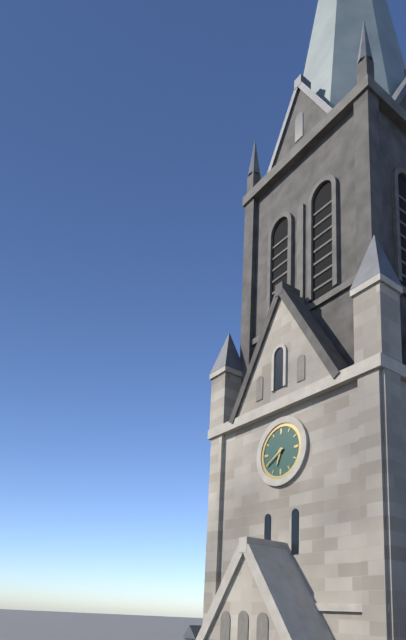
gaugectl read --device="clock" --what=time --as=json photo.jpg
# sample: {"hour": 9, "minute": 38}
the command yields {"hour": 6, "minute": 40}
